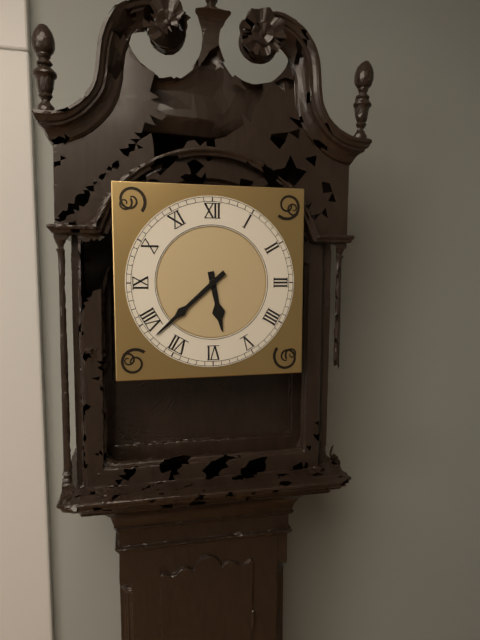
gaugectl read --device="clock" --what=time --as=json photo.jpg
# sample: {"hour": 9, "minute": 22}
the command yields {"hour": 5, "minute": 38}
